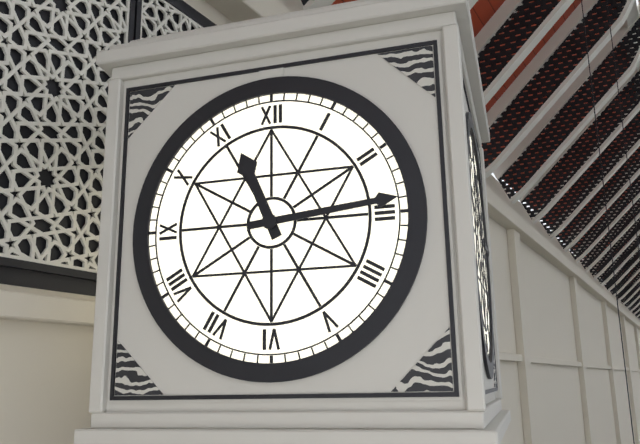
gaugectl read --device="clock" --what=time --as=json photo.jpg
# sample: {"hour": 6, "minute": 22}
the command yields {"hour": 11, "minute": 14}
